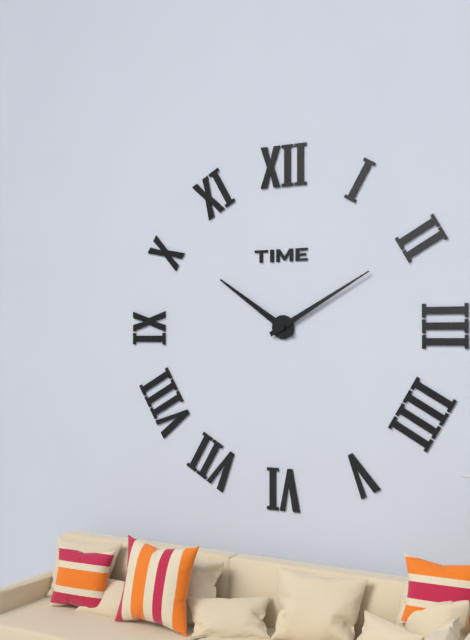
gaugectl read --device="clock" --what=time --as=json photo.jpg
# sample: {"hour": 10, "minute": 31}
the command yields {"hour": 10, "minute": 10}
